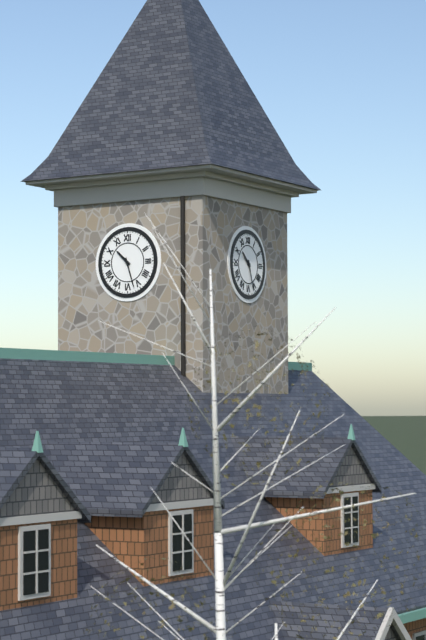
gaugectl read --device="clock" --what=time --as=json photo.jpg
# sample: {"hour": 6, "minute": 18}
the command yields {"hour": 10, "minute": 27}
